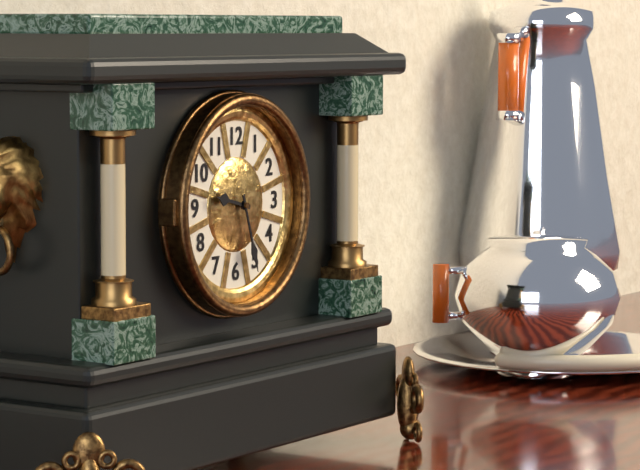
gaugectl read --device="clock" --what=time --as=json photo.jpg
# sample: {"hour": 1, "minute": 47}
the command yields {"hour": 9, "minute": 27}
